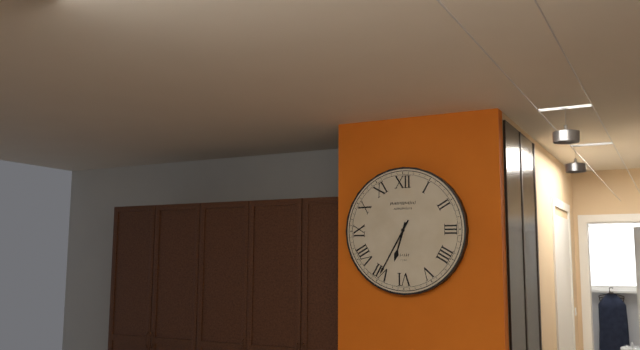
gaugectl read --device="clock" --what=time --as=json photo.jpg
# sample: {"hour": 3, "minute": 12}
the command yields {"hour": 6, "minute": 35}
